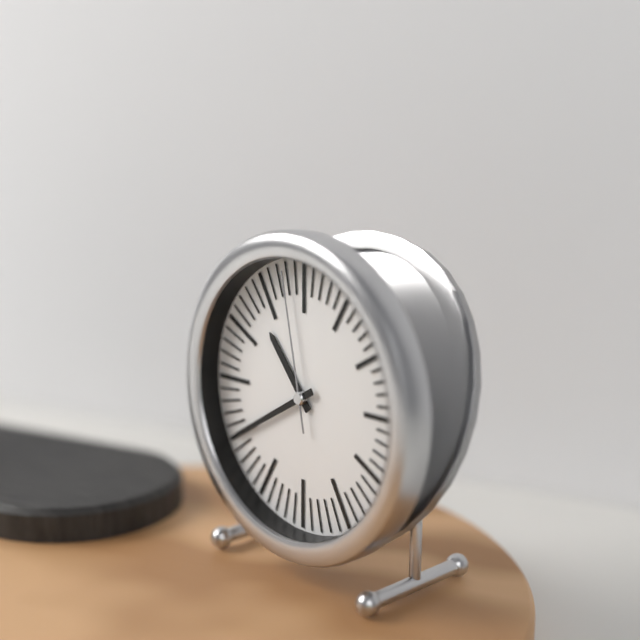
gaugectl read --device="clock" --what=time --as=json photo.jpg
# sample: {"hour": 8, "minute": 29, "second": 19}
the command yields {"hour": 10, "minute": 40, "second": 58}
